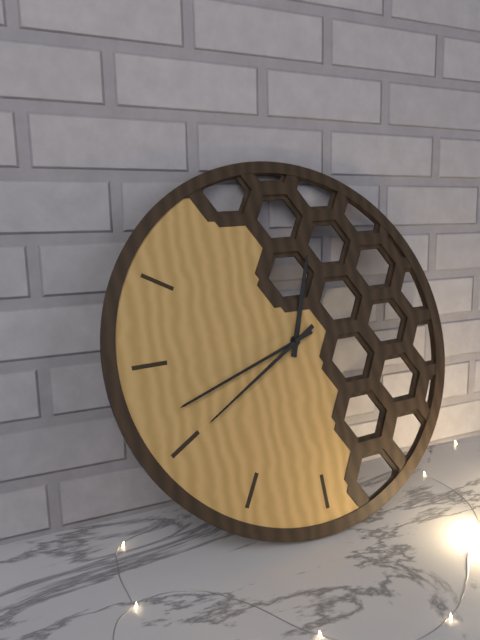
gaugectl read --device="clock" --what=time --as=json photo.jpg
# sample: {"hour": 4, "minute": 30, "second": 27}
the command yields {"hour": 12, "minute": 42, "second": 40}
